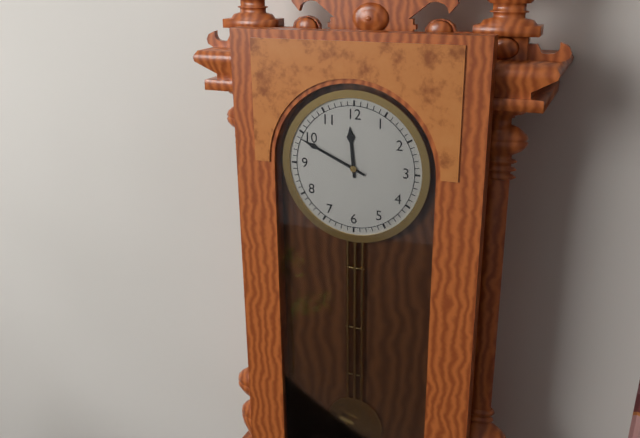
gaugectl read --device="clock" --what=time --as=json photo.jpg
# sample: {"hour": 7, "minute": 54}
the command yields {"hour": 11, "minute": 49}
